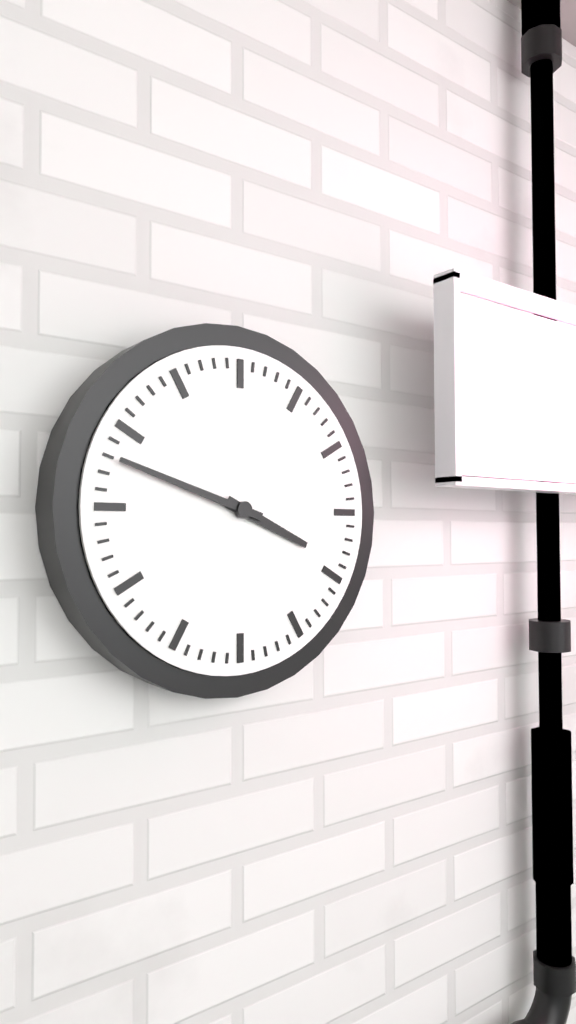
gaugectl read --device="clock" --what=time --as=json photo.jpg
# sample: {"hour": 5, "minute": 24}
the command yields {"hour": 3, "minute": 48}
